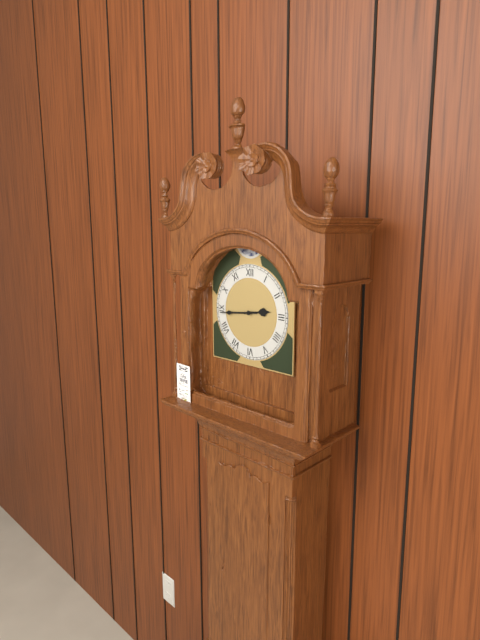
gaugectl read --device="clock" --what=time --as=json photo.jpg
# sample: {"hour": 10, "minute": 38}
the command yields {"hour": 2, "minute": 44}
